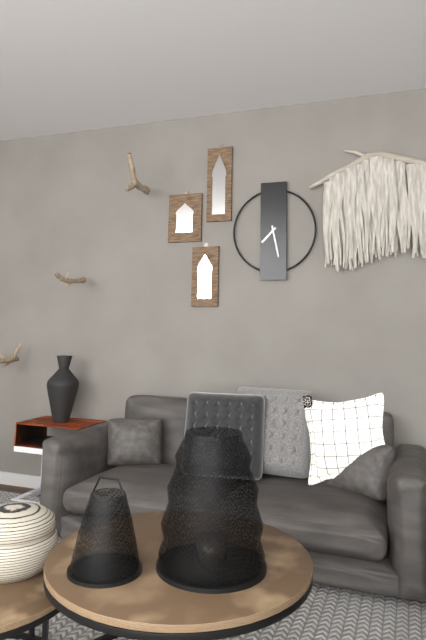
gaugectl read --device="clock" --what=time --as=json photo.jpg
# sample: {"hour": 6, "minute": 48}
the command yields {"hour": 7, "minute": 28}
